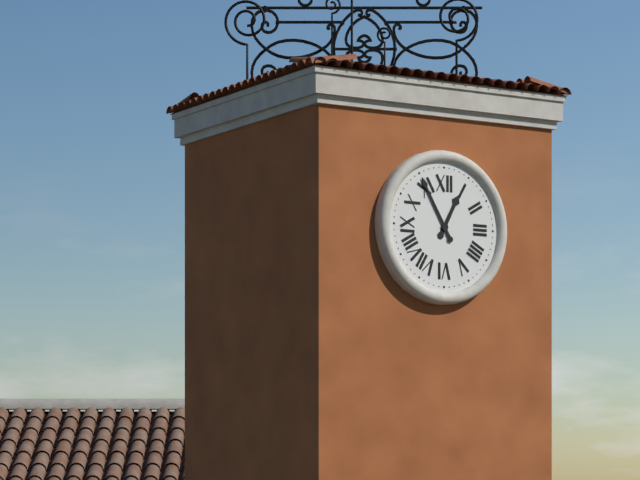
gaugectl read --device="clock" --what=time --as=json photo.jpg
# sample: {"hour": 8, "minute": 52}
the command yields {"hour": 12, "minute": 55}
